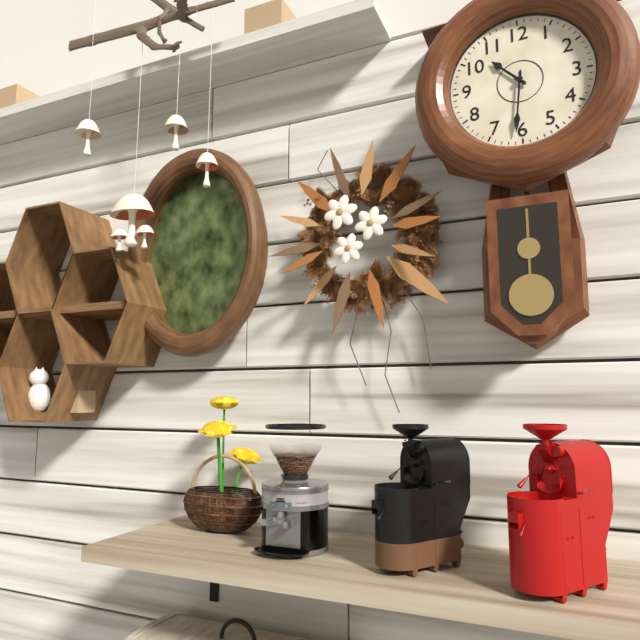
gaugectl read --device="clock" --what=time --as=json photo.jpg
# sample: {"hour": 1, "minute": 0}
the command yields {"hour": 10, "minute": 31}
